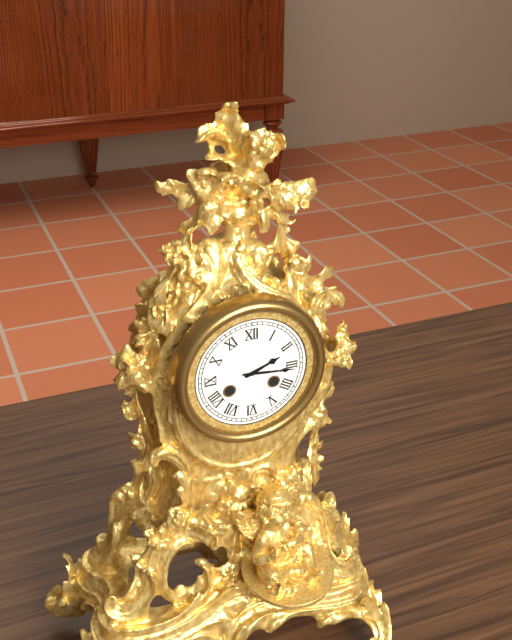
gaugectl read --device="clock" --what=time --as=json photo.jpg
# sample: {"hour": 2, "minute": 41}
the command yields {"hour": 2, "minute": 16}
